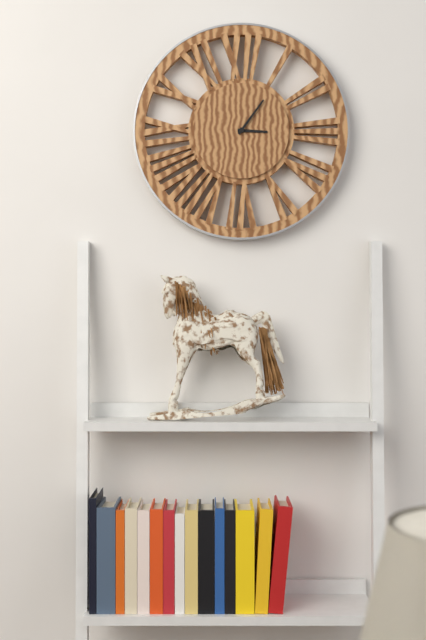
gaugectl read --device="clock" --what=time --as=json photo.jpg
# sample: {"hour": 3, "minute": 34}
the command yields {"hour": 3, "minute": 6}
